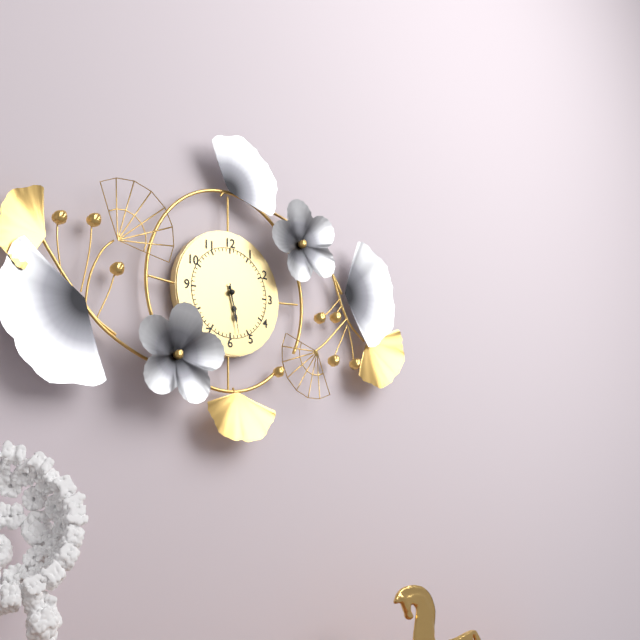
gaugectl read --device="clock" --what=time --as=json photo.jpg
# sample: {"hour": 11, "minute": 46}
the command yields {"hour": 5, "minute": 28}
